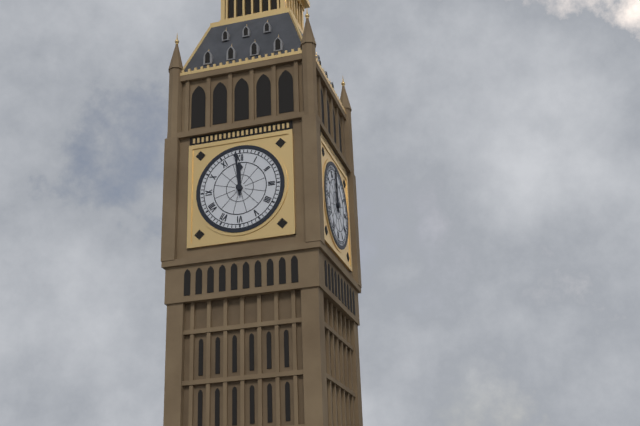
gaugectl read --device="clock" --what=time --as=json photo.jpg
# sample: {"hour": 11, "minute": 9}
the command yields {"hour": 11, "minute": 59}
